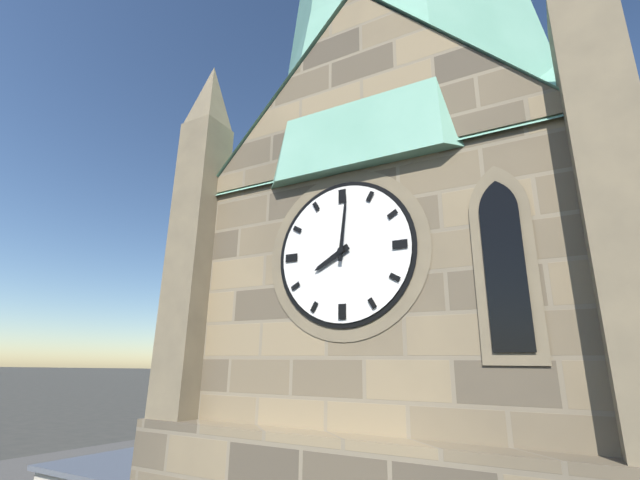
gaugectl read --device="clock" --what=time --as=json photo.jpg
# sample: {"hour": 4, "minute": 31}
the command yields {"hour": 8, "minute": 1}
